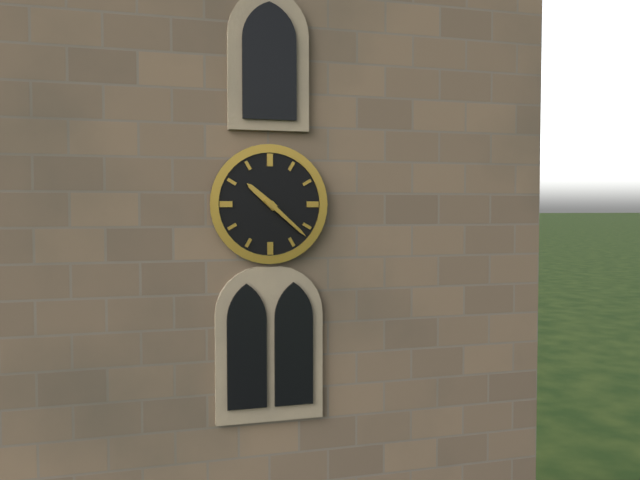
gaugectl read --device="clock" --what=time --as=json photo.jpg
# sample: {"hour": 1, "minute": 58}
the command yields {"hour": 10, "minute": 22}
